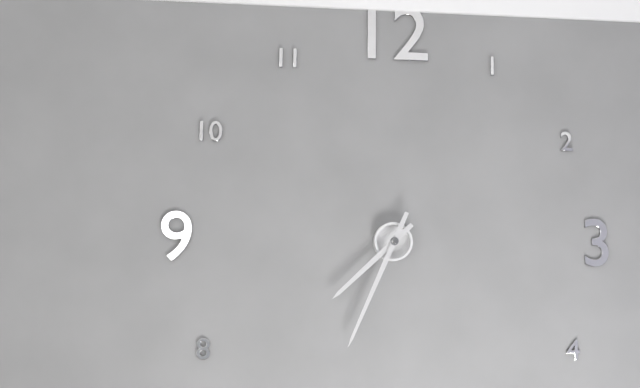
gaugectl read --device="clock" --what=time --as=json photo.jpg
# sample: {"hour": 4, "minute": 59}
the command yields {"hour": 7, "minute": 34}
